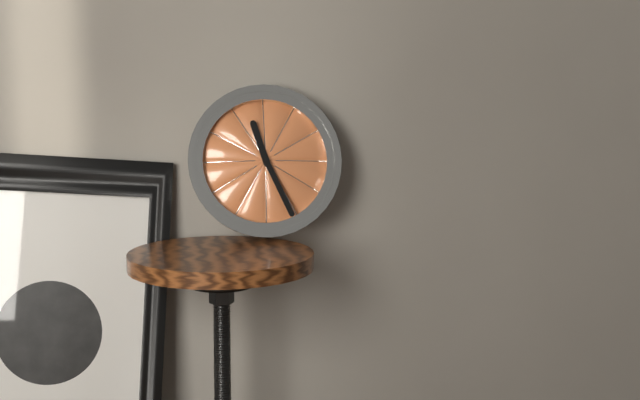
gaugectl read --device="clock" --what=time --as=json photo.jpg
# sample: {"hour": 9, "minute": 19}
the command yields {"hour": 11, "minute": 26}
